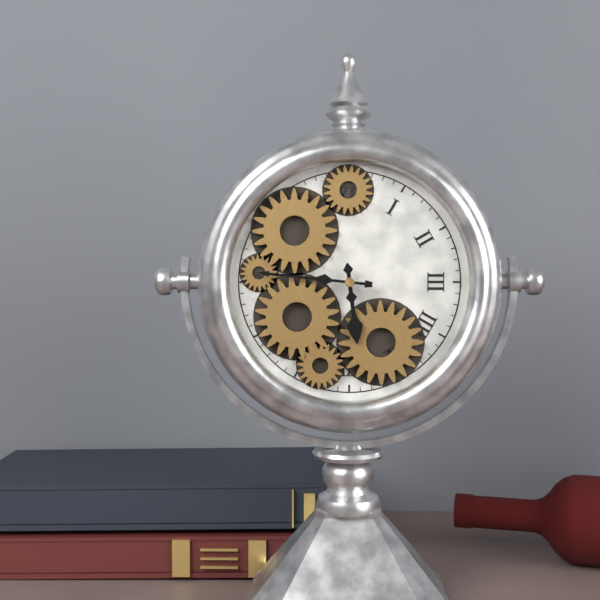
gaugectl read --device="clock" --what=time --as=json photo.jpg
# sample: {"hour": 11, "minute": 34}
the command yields {"hour": 5, "minute": 46}
